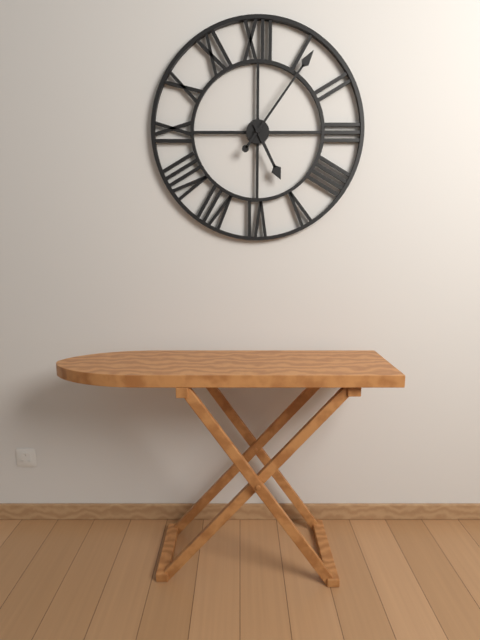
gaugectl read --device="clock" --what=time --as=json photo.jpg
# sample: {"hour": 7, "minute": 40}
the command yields {"hour": 5, "minute": 6}
